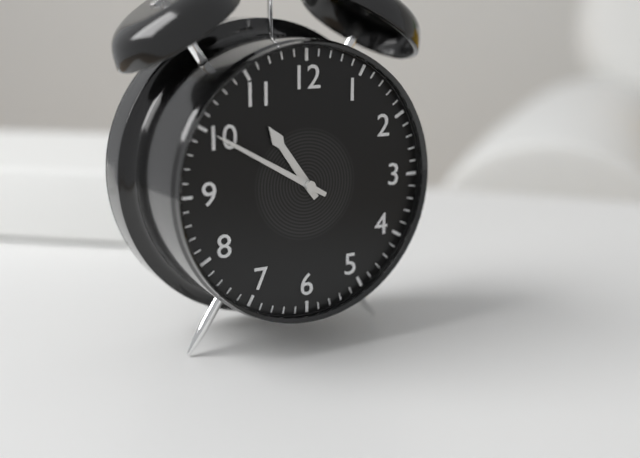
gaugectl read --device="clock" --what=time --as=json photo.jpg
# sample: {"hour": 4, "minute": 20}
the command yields {"hour": 10, "minute": 50}
